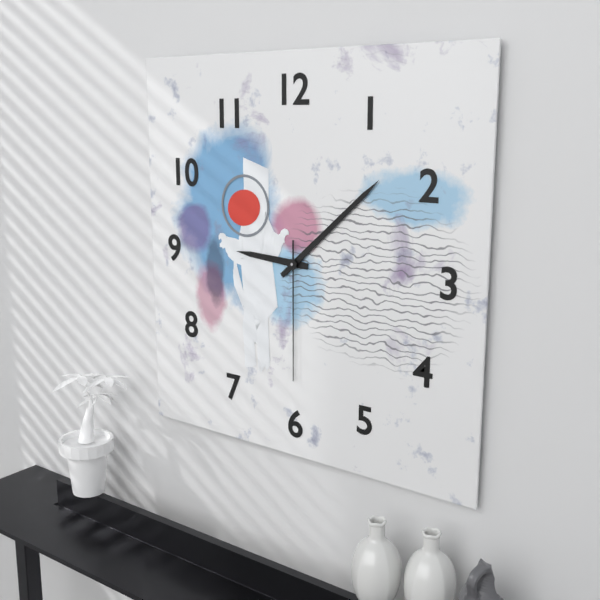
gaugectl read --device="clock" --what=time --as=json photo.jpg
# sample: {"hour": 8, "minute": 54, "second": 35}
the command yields {"hour": 9, "minute": 8, "second": 30}
